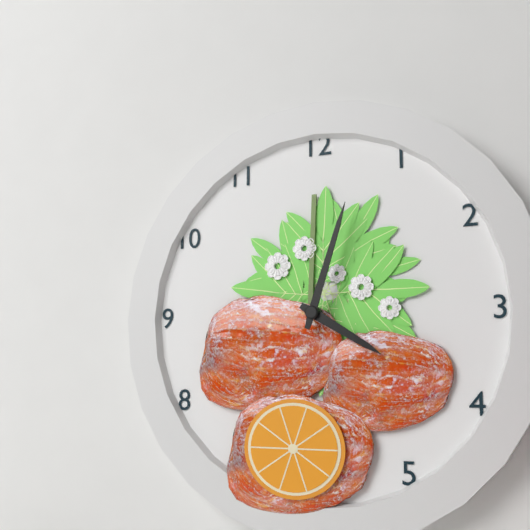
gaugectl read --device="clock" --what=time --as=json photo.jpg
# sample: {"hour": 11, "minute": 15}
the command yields {"hour": 4, "minute": 3}
